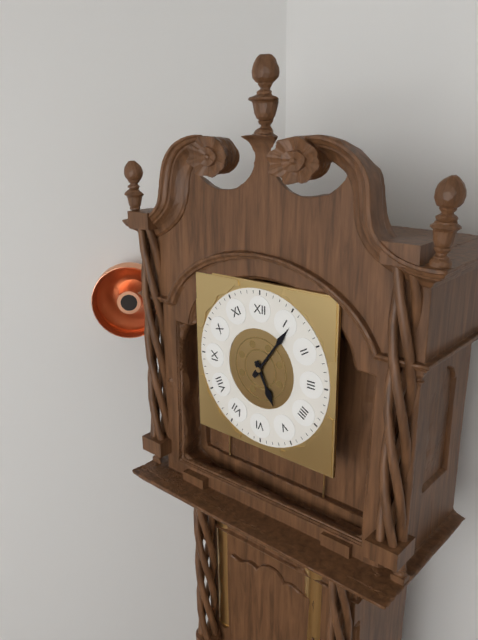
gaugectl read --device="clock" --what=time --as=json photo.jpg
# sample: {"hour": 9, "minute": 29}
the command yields {"hour": 5, "minute": 6}
